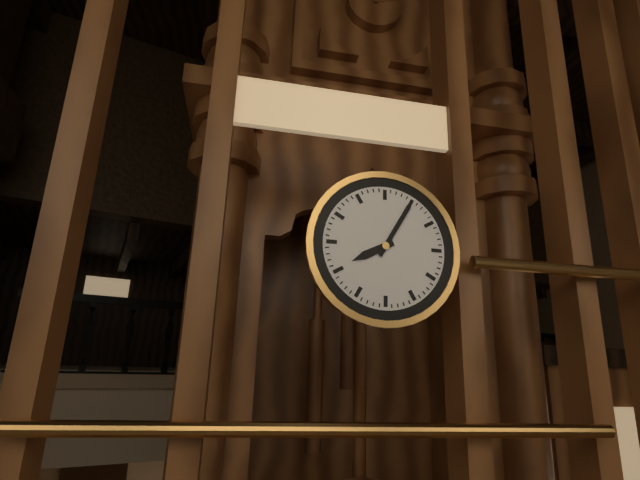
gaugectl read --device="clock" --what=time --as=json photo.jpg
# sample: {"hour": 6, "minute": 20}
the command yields {"hour": 8, "minute": 5}
